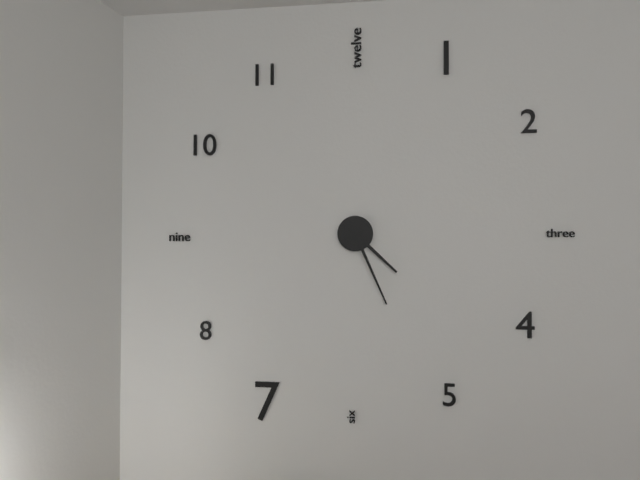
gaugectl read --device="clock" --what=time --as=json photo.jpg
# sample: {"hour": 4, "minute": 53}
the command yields {"hour": 4, "minute": 26}
